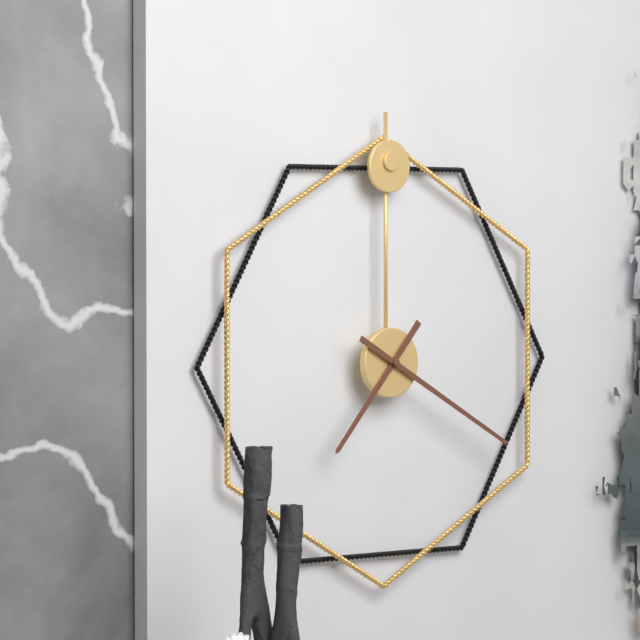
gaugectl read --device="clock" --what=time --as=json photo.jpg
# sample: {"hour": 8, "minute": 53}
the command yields {"hour": 7, "minute": 20}
